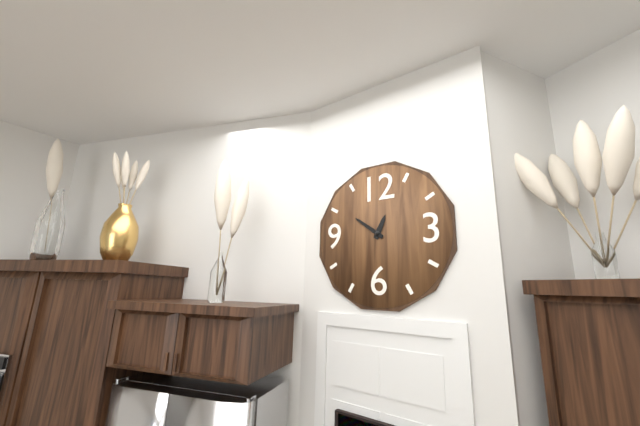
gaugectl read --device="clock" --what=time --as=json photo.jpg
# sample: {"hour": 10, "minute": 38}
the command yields {"hour": 12, "minute": 51}
